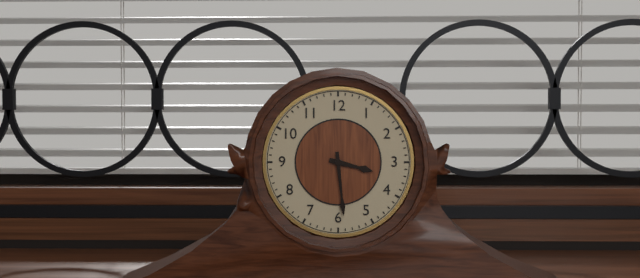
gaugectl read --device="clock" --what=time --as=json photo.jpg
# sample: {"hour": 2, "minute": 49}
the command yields {"hour": 3, "minute": 29}
